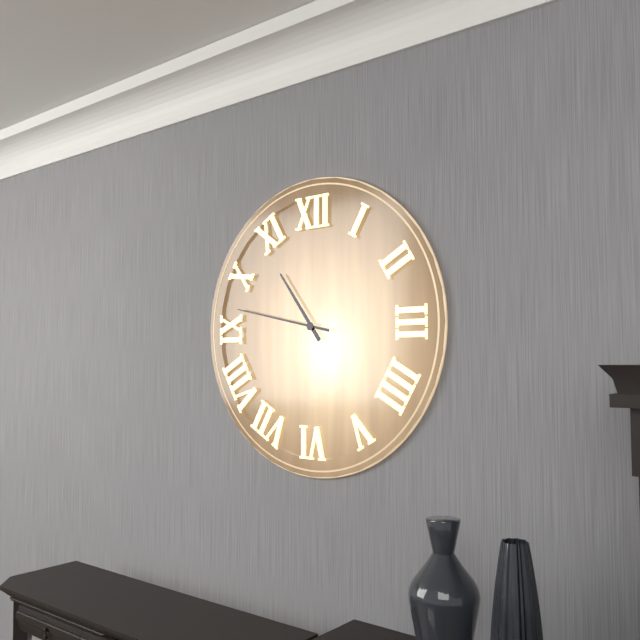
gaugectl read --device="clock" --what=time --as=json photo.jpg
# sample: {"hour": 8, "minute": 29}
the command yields {"hour": 10, "minute": 47}
